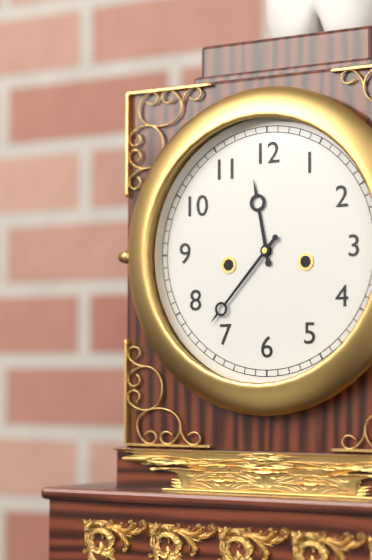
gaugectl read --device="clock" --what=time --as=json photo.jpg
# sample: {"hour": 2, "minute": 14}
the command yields {"hour": 11, "minute": 37}
